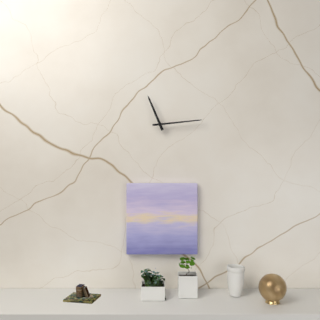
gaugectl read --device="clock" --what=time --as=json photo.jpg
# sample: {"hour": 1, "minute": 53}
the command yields {"hour": 11, "minute": 14}
